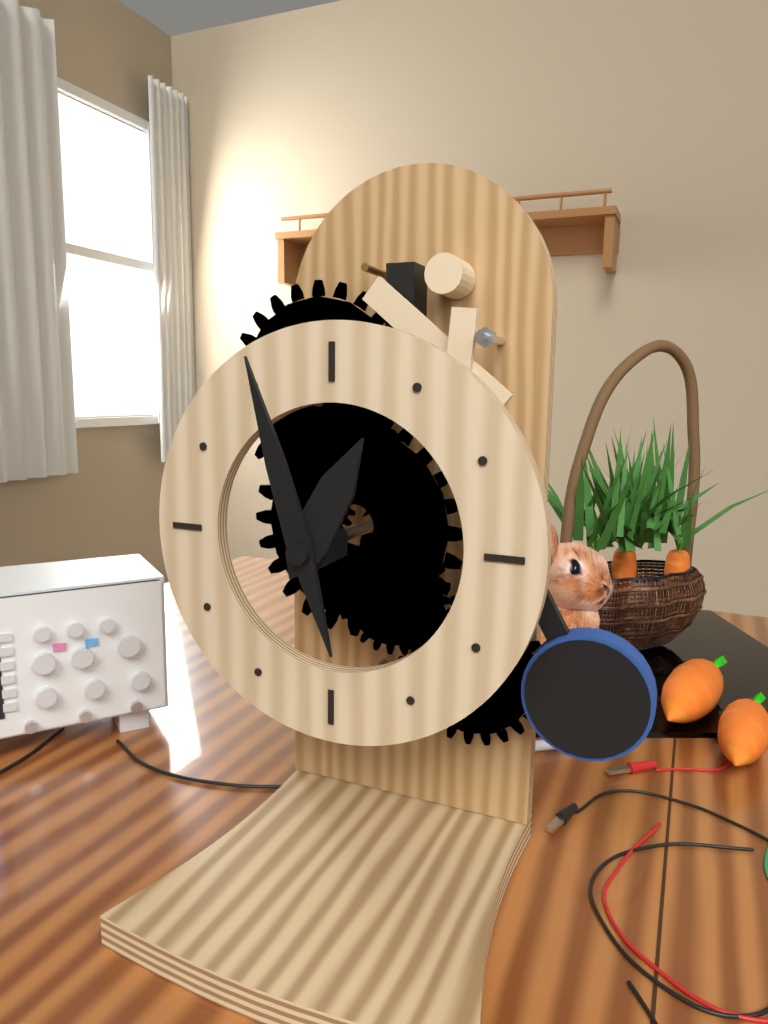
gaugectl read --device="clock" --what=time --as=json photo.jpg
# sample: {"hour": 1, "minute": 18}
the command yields {"hour": 12, "minute": 57}
